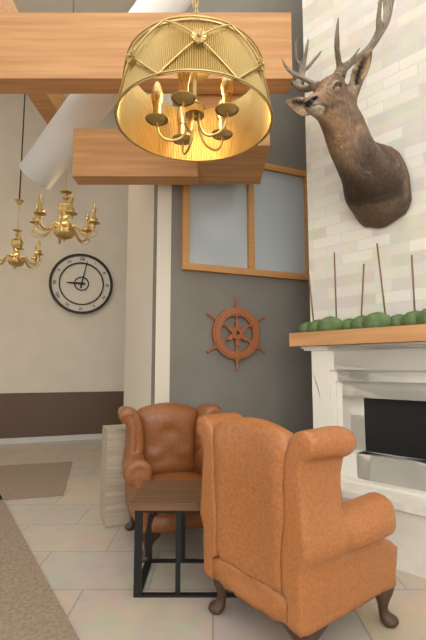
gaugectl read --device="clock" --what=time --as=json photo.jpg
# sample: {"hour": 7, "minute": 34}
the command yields {"hour": 9, "minute": 2}
